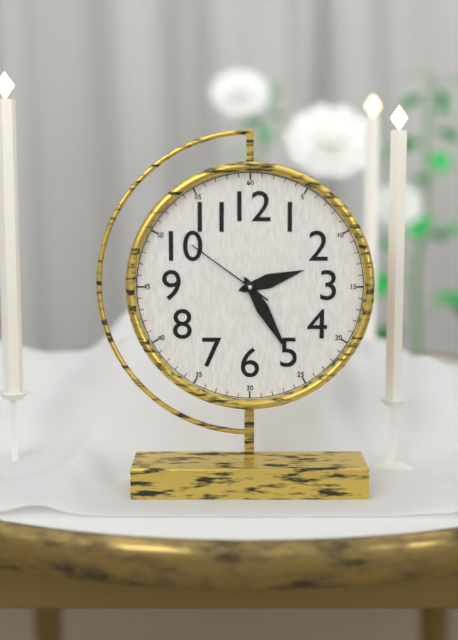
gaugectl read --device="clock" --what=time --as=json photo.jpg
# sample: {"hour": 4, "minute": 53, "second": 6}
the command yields {"hour": 2, "minute": 25, "second": 51}
